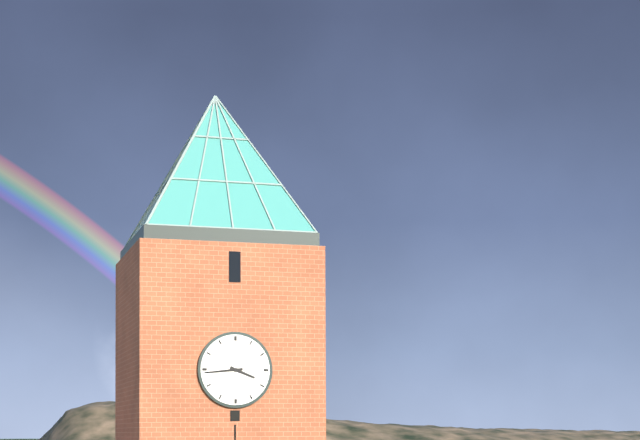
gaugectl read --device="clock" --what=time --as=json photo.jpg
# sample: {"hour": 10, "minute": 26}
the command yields {"hour": 3, "minute": 44}
